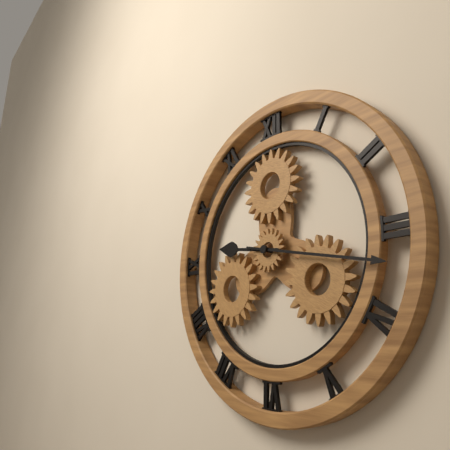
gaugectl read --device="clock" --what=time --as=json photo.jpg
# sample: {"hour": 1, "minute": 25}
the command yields {"hour": 9, "minute": 17}
